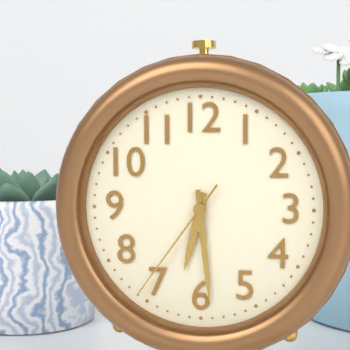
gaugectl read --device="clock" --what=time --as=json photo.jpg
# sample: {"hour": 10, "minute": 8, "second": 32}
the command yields {"hour": 6, "minute": 29, "second": 36}
